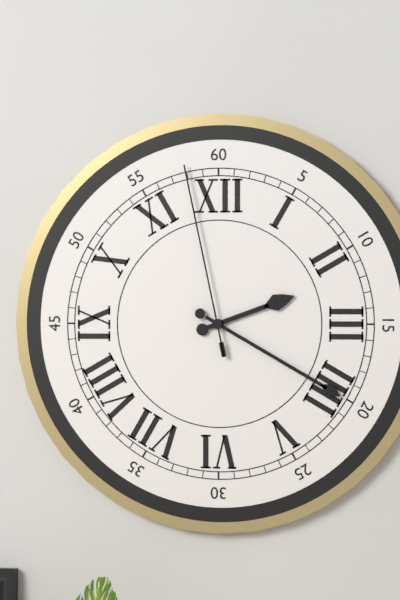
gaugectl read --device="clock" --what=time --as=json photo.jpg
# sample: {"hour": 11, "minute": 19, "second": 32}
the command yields {"hour": 2, "minute": 20, "second": 58}
